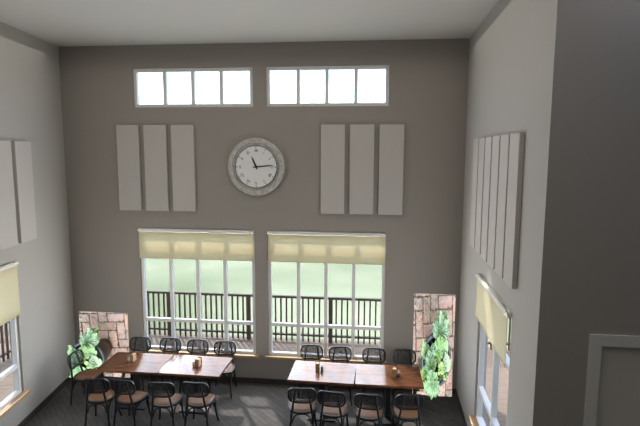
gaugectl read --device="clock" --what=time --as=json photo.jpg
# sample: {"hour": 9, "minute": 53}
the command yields {"hour": 11, "minute": 14}
